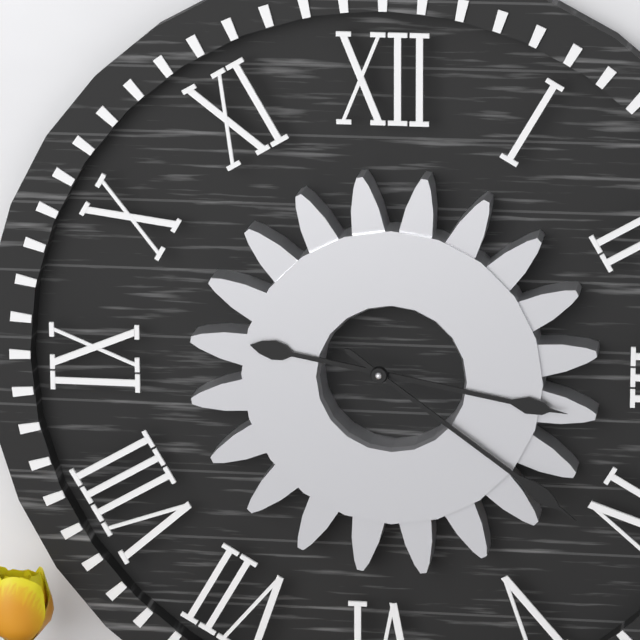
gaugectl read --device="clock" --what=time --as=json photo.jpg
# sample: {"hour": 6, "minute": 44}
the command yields {"hour": 3, "minute": 21}
